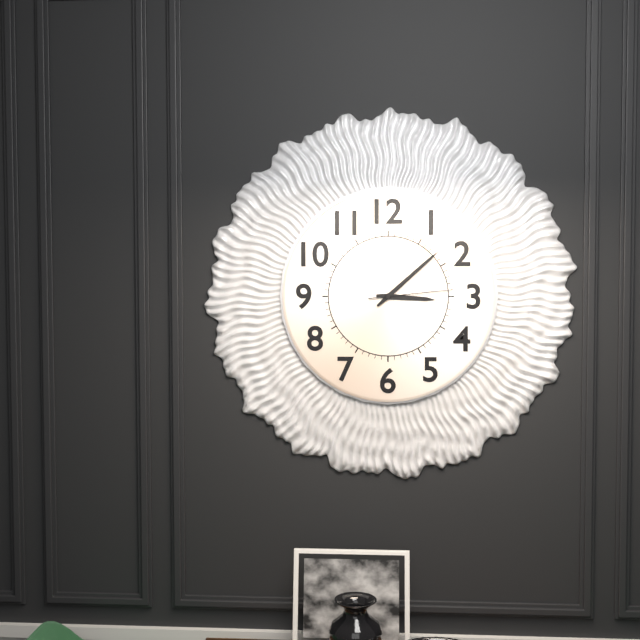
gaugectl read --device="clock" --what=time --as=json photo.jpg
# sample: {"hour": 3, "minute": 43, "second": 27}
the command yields {"hour": 3, "minute": 8, "second": 14}
